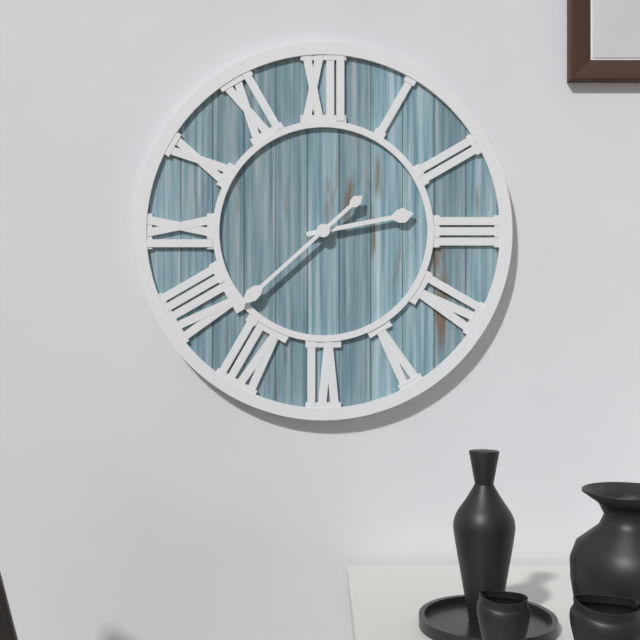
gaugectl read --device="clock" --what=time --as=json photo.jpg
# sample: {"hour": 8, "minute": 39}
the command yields {"hour": 2, "minute": 38}
